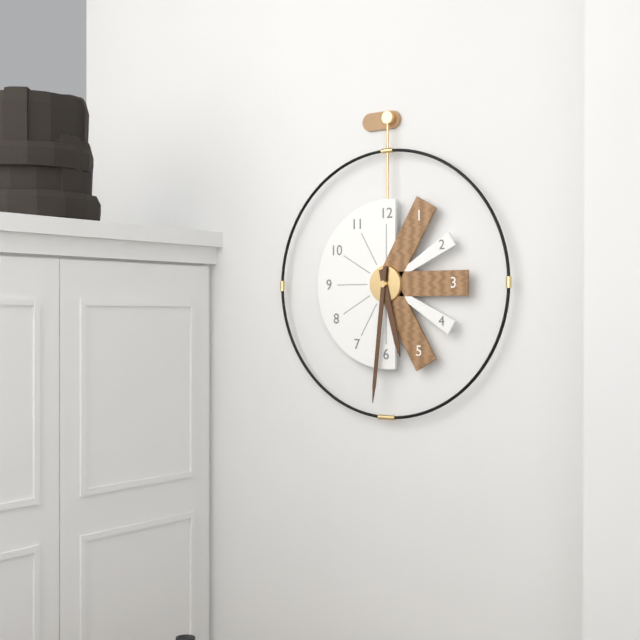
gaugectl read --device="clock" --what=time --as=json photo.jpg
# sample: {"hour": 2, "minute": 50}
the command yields {"hour": 5, "minute": 31}
